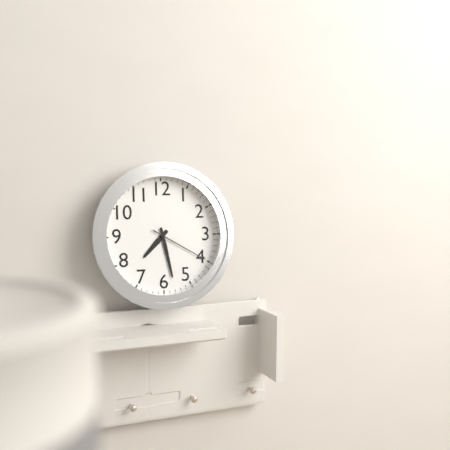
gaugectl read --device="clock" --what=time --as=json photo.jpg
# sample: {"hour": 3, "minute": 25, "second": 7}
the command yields {"hour": 7, "minute": 28, "second": 20}
